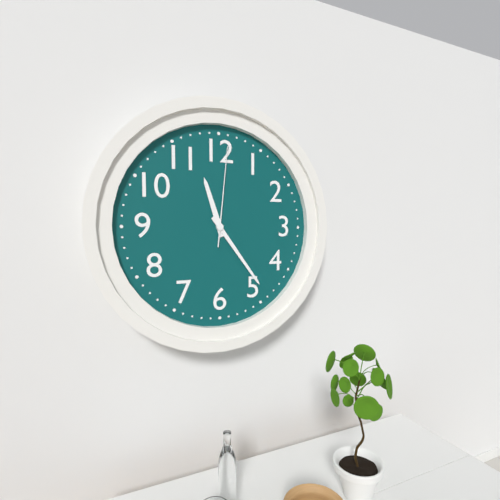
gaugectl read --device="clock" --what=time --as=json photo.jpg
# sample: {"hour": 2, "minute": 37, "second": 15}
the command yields {"hour": 11, "minute": 24, "second": 1}
